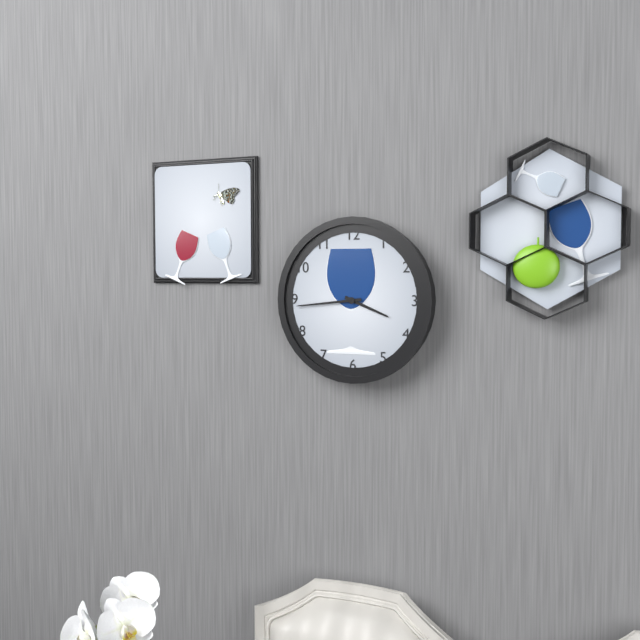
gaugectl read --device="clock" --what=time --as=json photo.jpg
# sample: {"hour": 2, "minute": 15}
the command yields {"hour": 3, "minute": 44}
